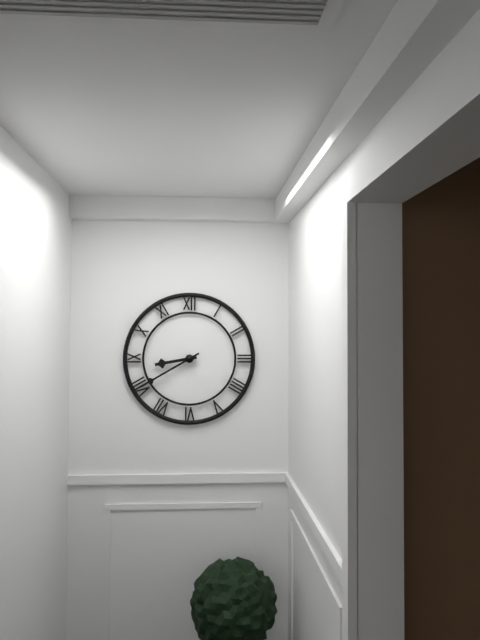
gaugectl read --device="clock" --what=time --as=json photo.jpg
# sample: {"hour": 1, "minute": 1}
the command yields {"hour": 8, "minute": 40}
